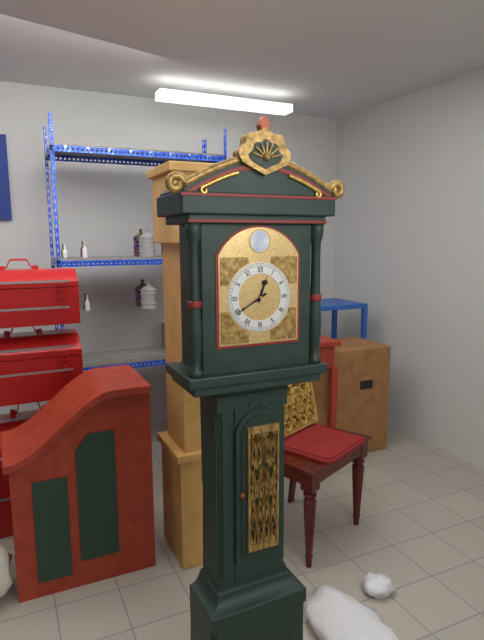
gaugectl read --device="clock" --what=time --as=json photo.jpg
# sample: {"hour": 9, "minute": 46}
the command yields {"hour": 12, "minute": 40}
